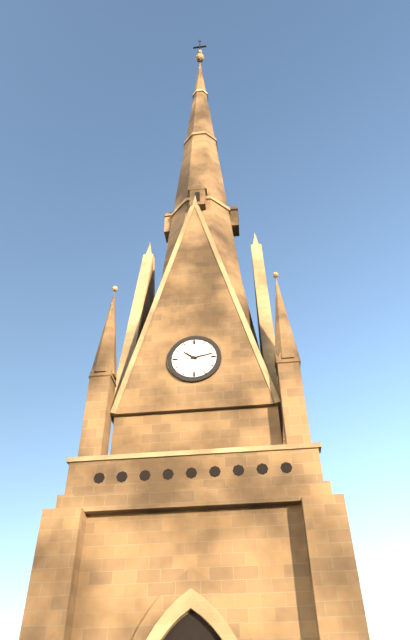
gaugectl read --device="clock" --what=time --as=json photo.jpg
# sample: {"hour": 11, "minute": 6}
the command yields {"hour": 10, "minute": 13}
